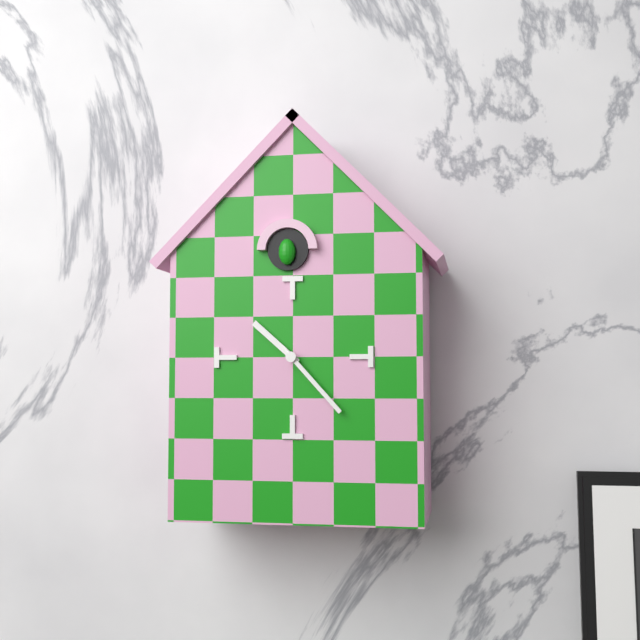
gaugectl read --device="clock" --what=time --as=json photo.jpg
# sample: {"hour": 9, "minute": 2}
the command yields {"hour": 10, "minute": 23}
